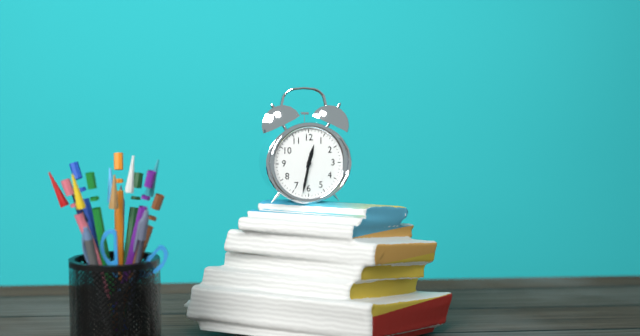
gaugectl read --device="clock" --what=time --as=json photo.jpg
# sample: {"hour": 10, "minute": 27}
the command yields {"hour": 12, "minute": 32}
